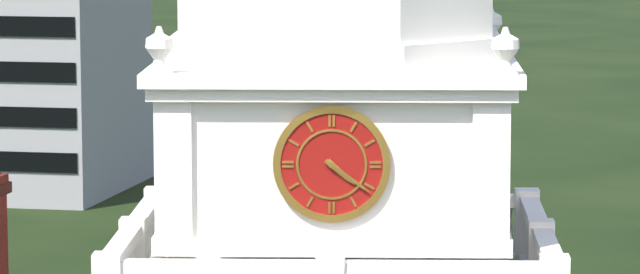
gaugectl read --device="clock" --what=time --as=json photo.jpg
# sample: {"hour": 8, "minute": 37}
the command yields {"hour": 4, "minute": 21}
